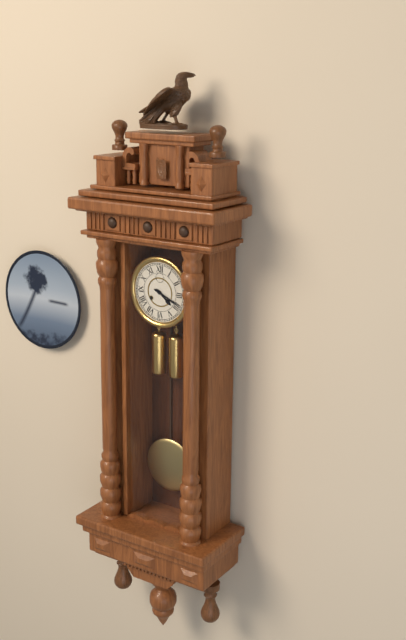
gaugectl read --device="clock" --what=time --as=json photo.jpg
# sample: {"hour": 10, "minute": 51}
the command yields {"hour": 4, "minute": 19}
